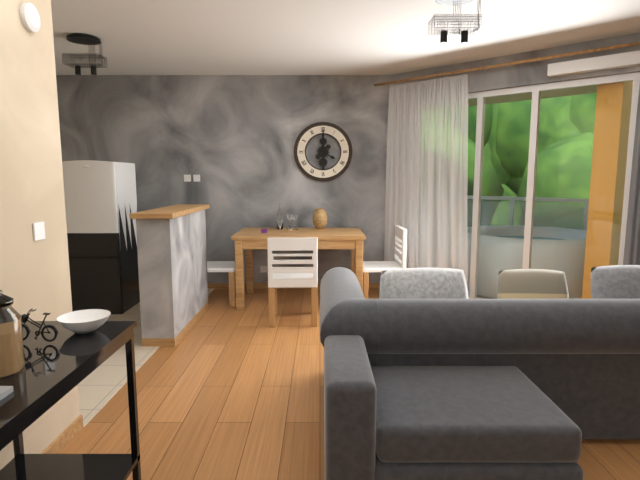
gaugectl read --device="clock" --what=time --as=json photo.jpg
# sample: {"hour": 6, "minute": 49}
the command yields {"hour": 4, "minute": 0}
